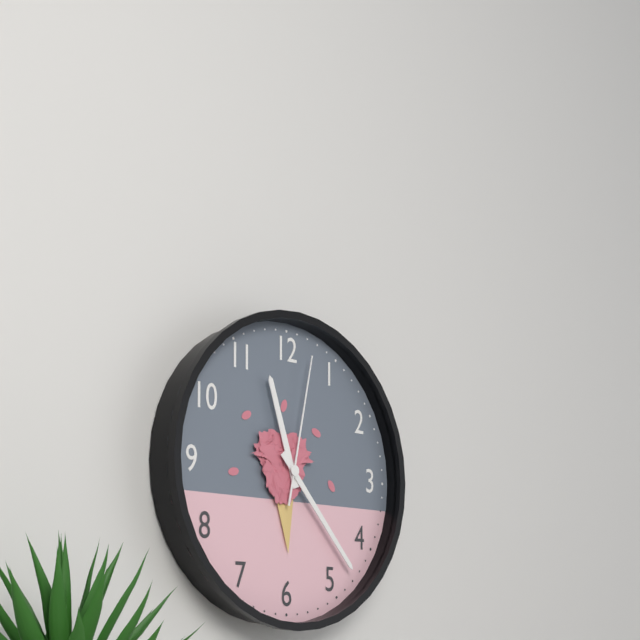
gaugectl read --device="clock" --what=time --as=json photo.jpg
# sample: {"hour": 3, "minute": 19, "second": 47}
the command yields {"hour": 11, "minute": 23, "second": 2}
